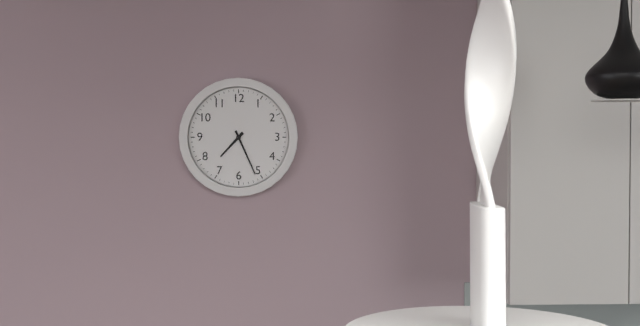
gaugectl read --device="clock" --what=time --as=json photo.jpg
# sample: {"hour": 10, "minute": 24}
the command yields {"hour": 7, "minute": 26}
